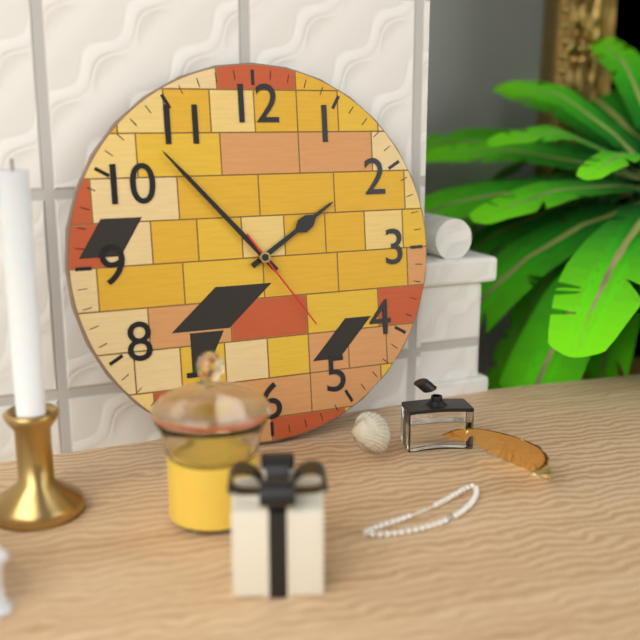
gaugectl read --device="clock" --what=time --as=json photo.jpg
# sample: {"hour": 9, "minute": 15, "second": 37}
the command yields {"hour": 1, "minute": 53, "second": 24}
